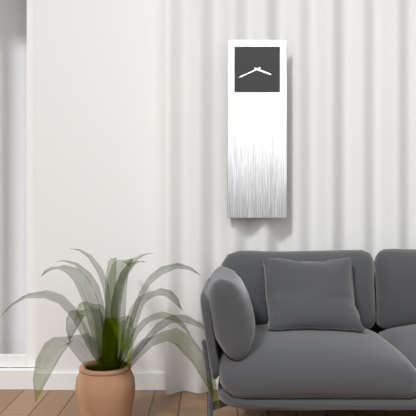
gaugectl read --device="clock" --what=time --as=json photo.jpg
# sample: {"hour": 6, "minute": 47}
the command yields {"hour": 3, "minute": 41}
